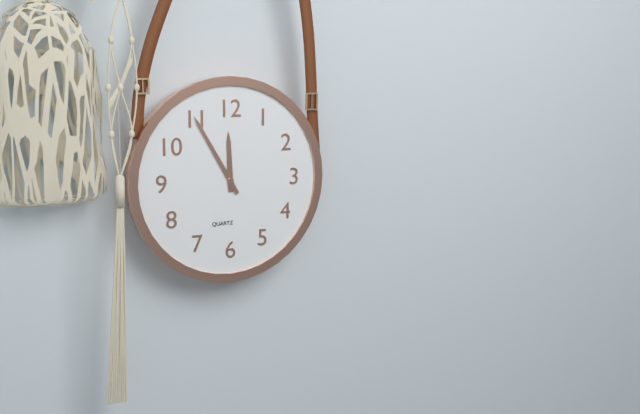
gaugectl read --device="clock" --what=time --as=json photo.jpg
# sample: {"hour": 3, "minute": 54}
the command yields {"hour": 11, "minute": 55}
